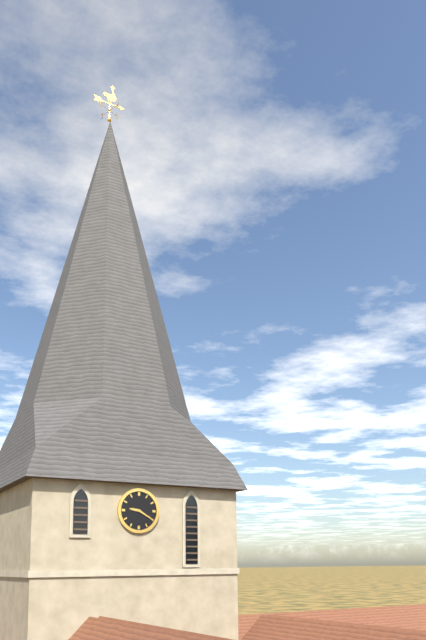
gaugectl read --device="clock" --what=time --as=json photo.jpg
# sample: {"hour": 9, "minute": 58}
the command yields {"hour": 9, "minute": 20}
